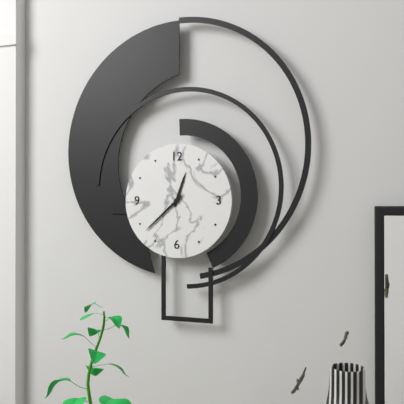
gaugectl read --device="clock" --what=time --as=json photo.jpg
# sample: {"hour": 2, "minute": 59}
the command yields {"hour": 12, "minute": 38}
